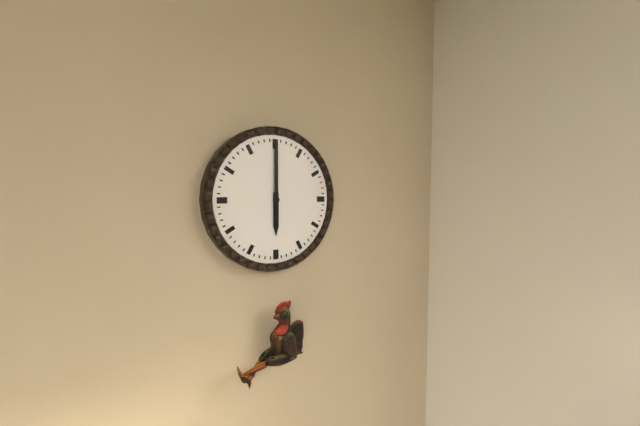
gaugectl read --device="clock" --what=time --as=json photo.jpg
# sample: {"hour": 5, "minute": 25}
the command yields {"hour": 6, "minute": 0}
